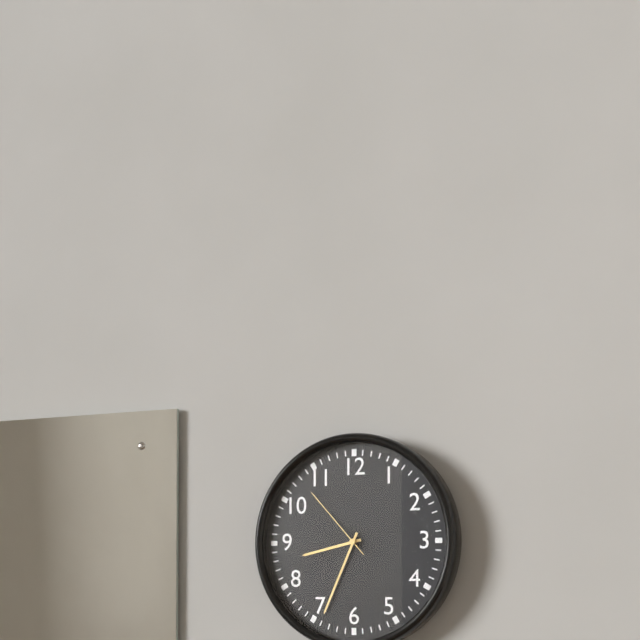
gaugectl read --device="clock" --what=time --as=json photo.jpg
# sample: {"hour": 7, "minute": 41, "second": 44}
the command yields {"hour": 8, "minute": 34, "second": 53}
